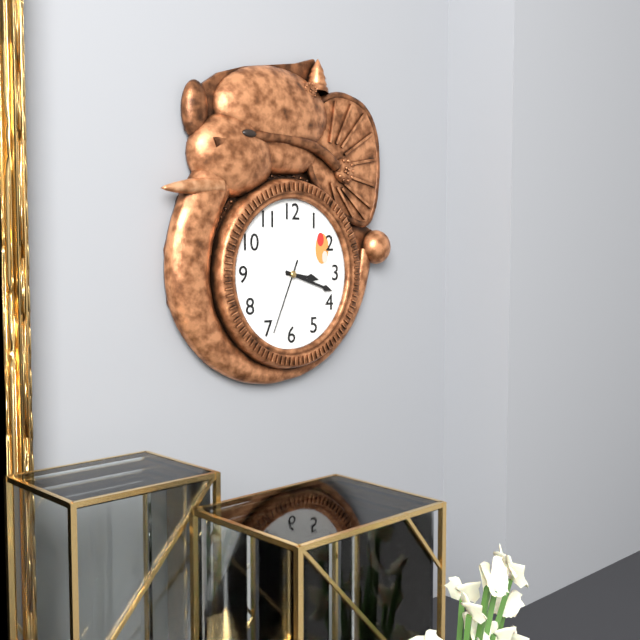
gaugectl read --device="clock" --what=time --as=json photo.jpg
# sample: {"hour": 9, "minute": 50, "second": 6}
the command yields {"hour": 3, "minute": 18, "second": 34}
